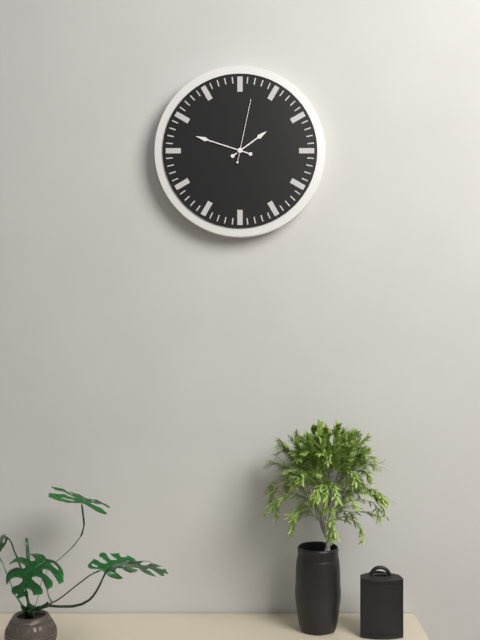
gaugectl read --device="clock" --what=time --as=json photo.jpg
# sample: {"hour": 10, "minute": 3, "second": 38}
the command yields {"hour": 1, "minute": 48, "second": 2}
